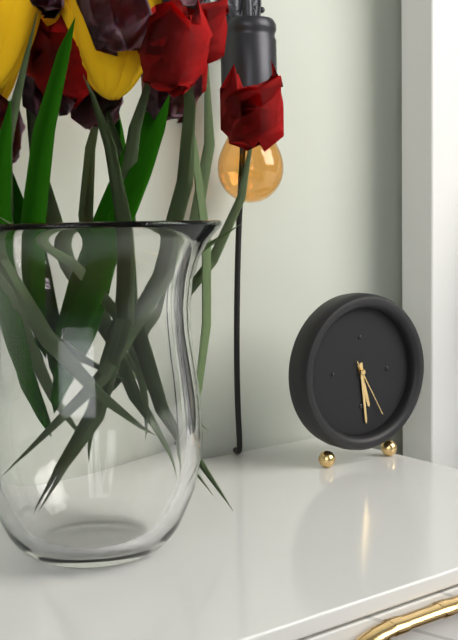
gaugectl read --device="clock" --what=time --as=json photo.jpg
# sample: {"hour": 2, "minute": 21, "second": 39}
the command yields {"hour": 5, "minute": 29, "second": 25}
